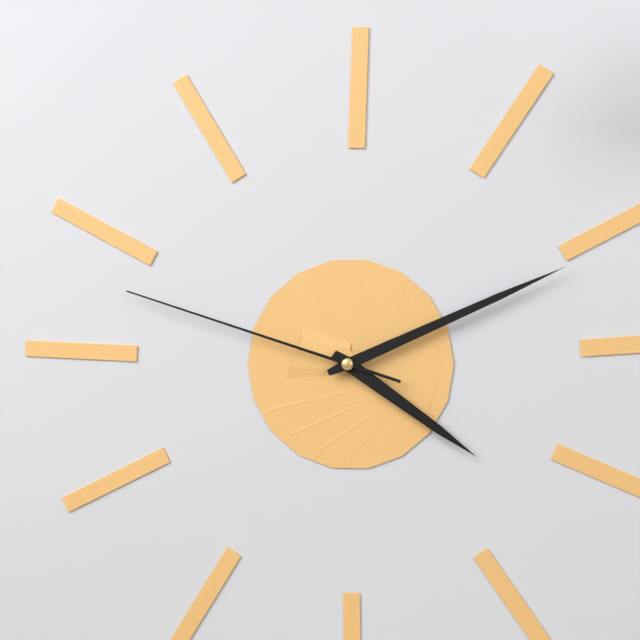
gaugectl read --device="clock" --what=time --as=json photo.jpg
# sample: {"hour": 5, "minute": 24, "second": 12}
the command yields {"hour": 4, "minute": 11, "second": 48}
